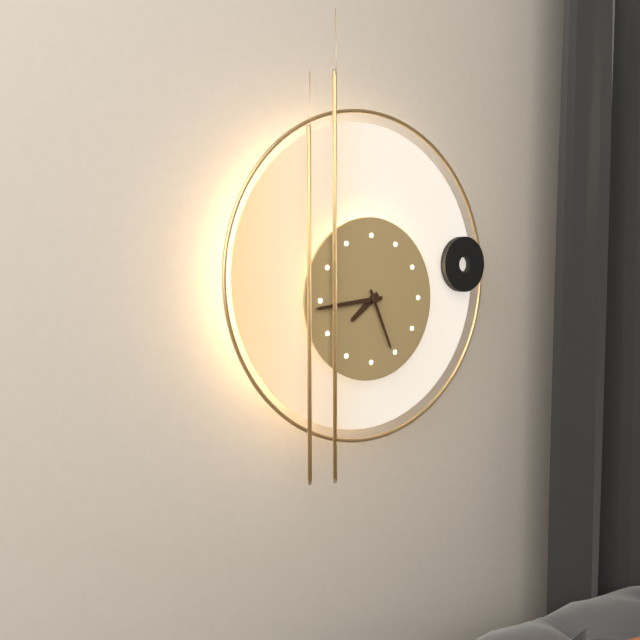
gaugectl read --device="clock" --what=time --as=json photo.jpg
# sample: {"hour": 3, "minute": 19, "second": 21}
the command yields {"hour": 7, "minute": 44, "second": 26}
